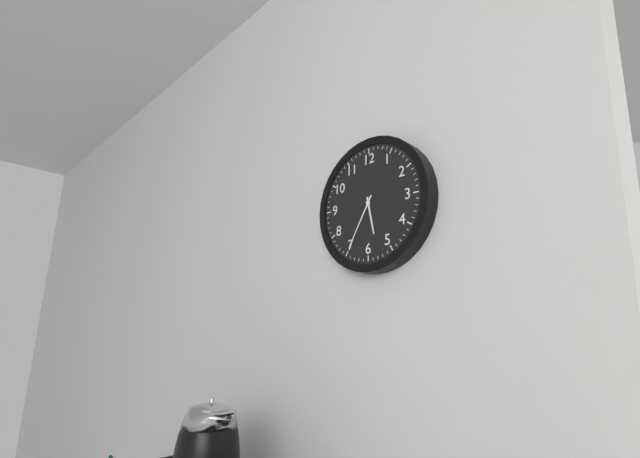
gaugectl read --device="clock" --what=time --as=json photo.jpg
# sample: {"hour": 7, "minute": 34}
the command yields {"hour": 5, "minute": 35}
